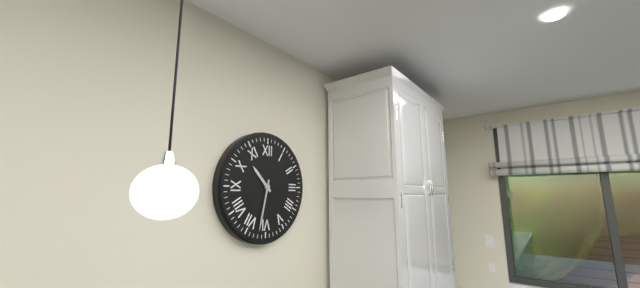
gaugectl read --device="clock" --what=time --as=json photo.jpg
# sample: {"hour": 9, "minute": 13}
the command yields {"hour": 10, "minute": 32}
